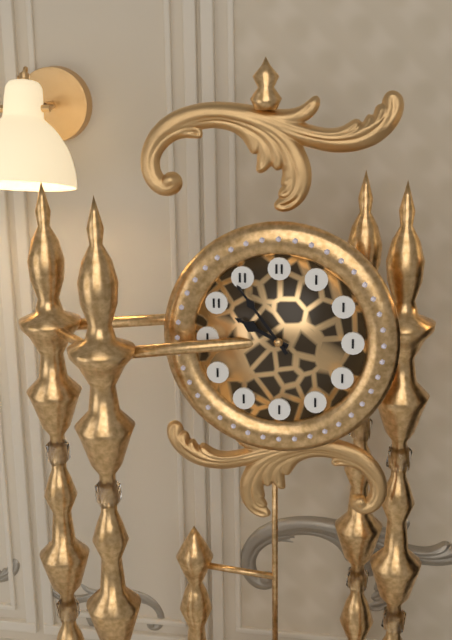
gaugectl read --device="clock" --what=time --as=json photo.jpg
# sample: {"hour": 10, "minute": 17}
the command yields {"hour": 9, "minute": 54}
